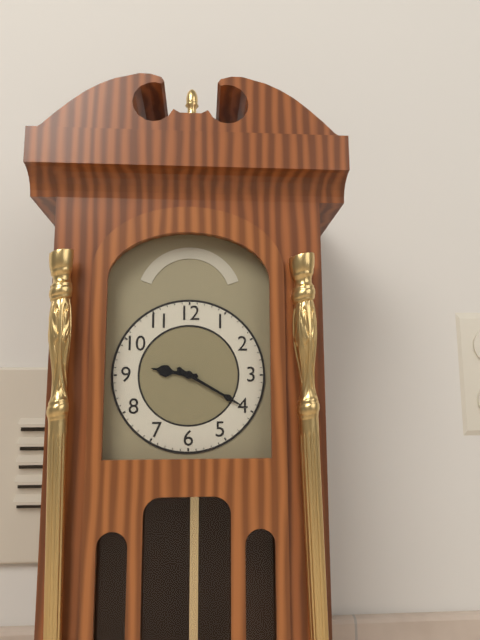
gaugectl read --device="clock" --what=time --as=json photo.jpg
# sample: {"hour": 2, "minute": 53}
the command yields {"hour": 9, "minute": 20}
